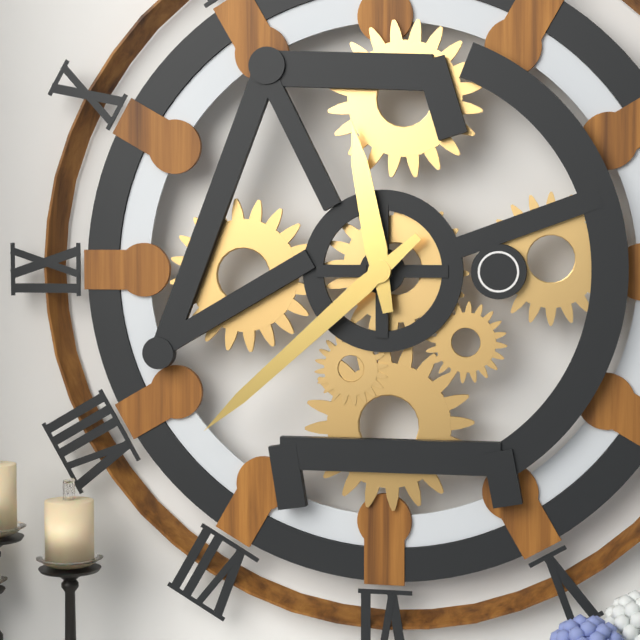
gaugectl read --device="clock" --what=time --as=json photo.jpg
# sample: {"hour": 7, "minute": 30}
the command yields {"hour": 11, "minute": 38}
